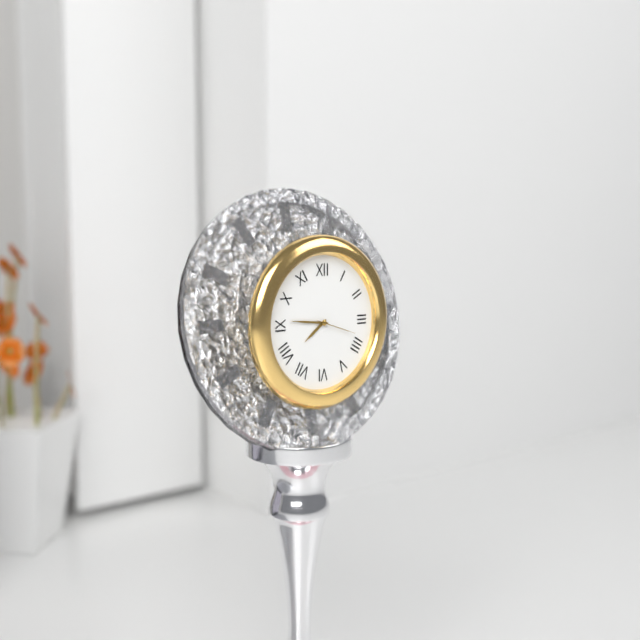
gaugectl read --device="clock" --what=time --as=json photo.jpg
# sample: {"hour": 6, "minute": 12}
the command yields {"hour": 7, "minute": 46}
